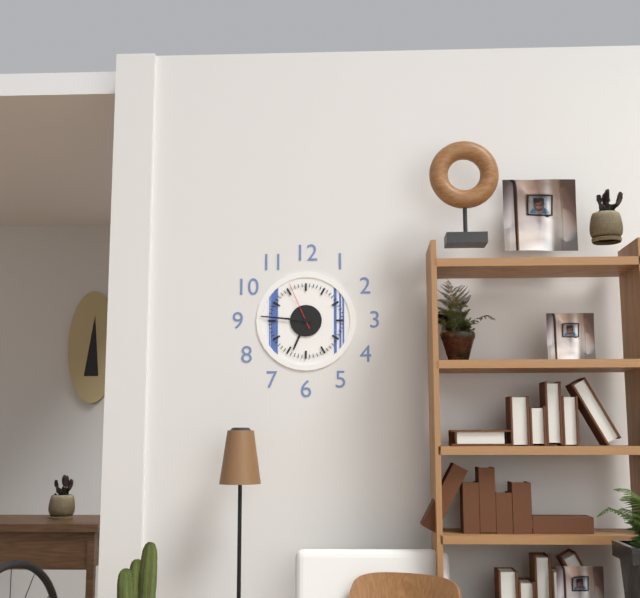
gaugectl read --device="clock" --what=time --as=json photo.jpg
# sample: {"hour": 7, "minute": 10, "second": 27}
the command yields {"hour": 6, "minute": 46, "second": 56}
